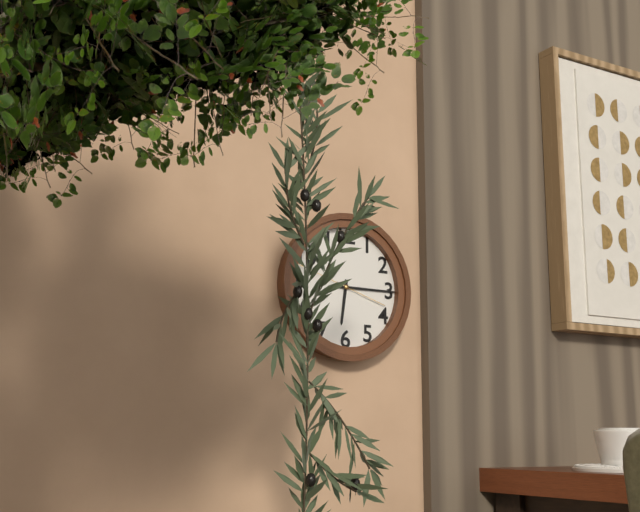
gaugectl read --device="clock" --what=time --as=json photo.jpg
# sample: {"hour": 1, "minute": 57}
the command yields {"hour": 6, "minute": 15}
